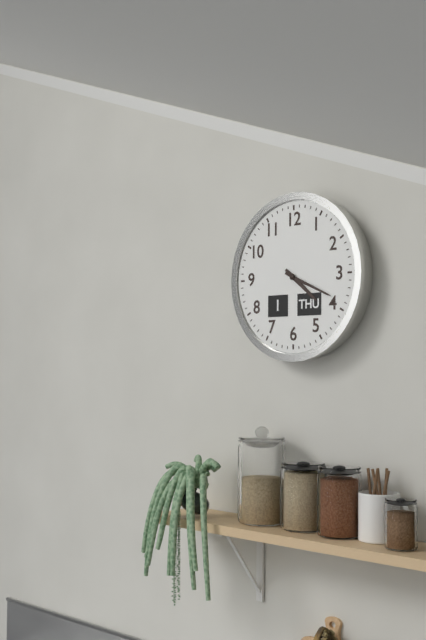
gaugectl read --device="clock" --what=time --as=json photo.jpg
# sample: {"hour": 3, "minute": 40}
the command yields {"hour": 4, "minute": 19}
